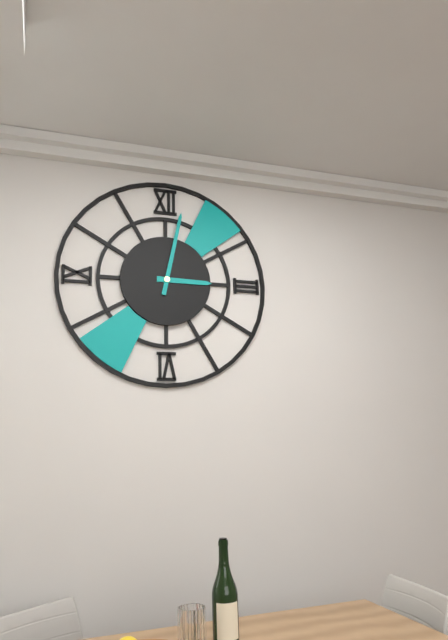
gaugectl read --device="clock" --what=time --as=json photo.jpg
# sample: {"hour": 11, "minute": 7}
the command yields {"hour": 3, "minute": 2}
